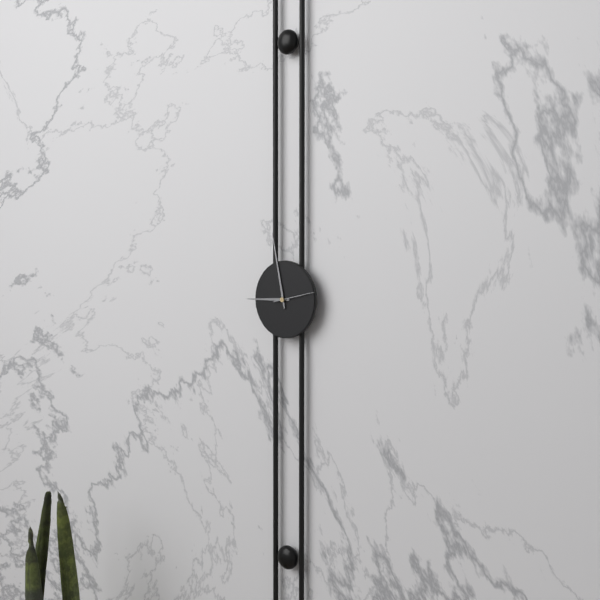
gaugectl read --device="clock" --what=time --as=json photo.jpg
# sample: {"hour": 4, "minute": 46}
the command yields {"hour": 8, "minute": 58}
